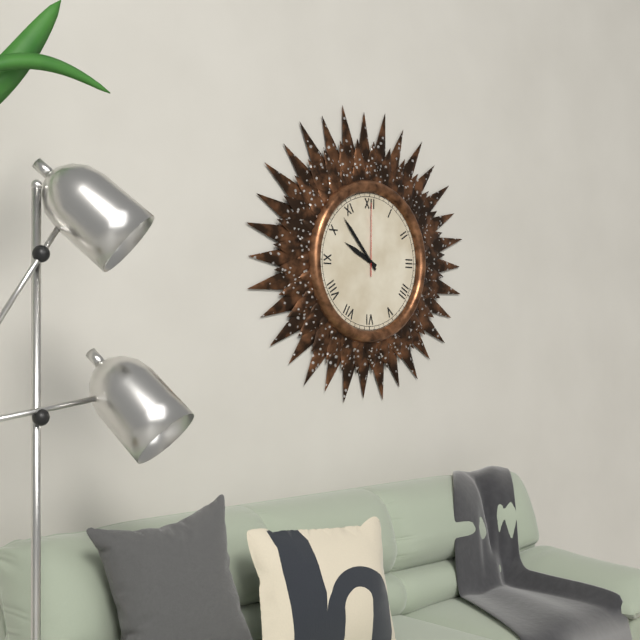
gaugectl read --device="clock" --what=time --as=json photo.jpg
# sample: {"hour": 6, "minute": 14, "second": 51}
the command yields {"hour": 9, "minute": 53, "second": 0}
